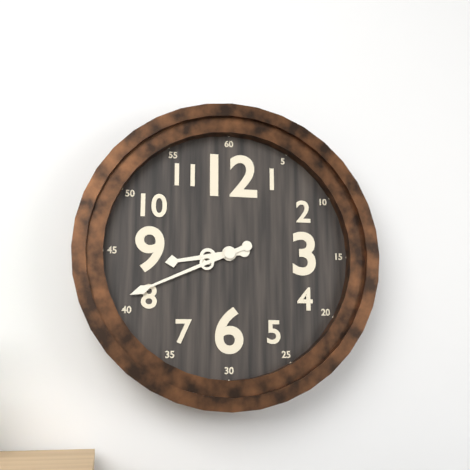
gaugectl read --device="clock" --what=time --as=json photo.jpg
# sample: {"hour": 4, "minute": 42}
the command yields {"hour": 8, "minute": 41}
